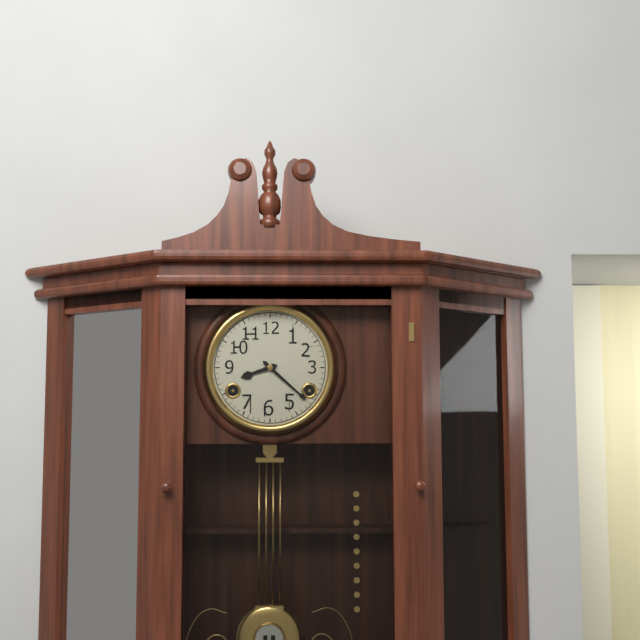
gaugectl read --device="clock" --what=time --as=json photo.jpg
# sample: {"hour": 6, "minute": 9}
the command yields {"hour": 8, "minute": 22}
